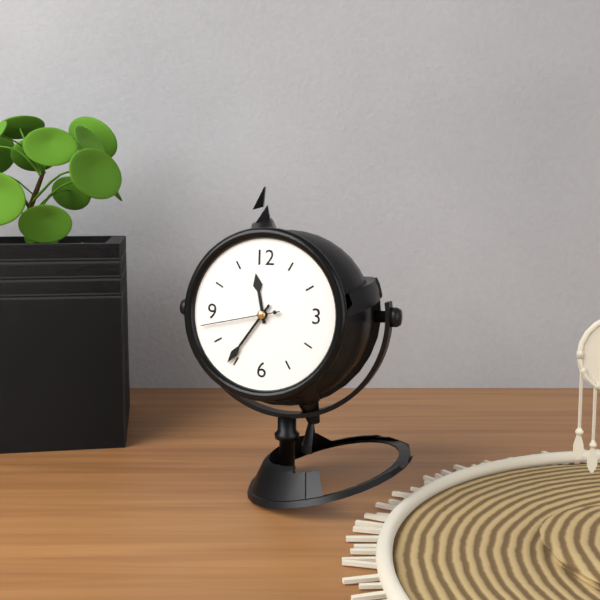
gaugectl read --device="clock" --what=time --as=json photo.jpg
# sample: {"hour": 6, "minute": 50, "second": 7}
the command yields {"hour": 11, "minute": 36, "second": 43}
